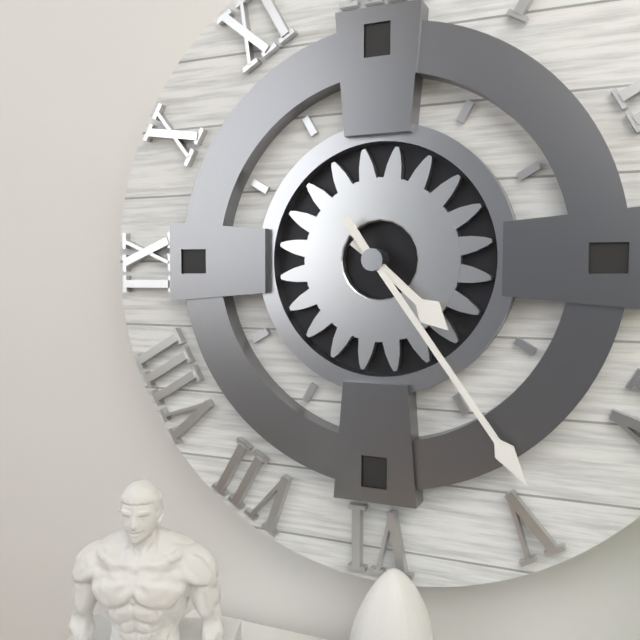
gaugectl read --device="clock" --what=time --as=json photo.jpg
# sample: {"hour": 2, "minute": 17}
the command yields {"hour": 4, "minute": 24}
